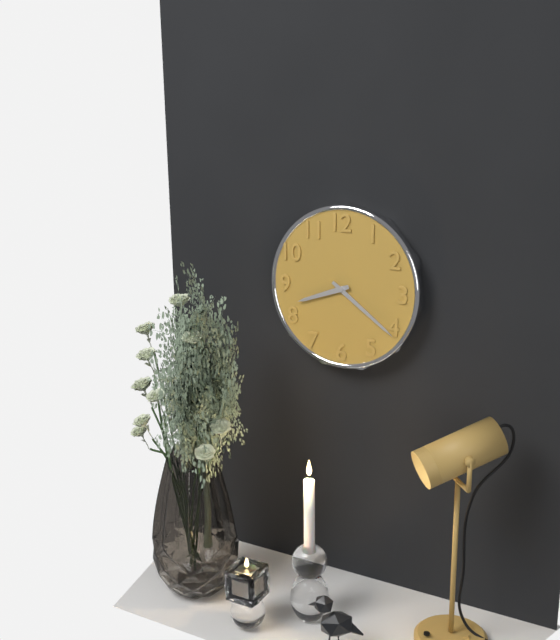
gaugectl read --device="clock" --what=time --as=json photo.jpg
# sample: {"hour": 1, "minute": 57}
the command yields {"hour": 8, "minute": 21}
